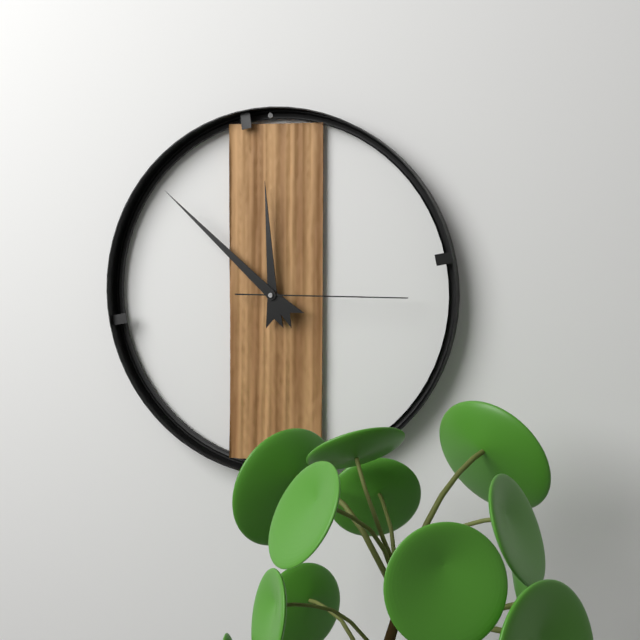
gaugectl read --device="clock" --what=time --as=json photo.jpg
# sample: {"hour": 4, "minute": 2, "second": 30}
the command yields {"hour": 11, "minute": 52, "second": 15}
